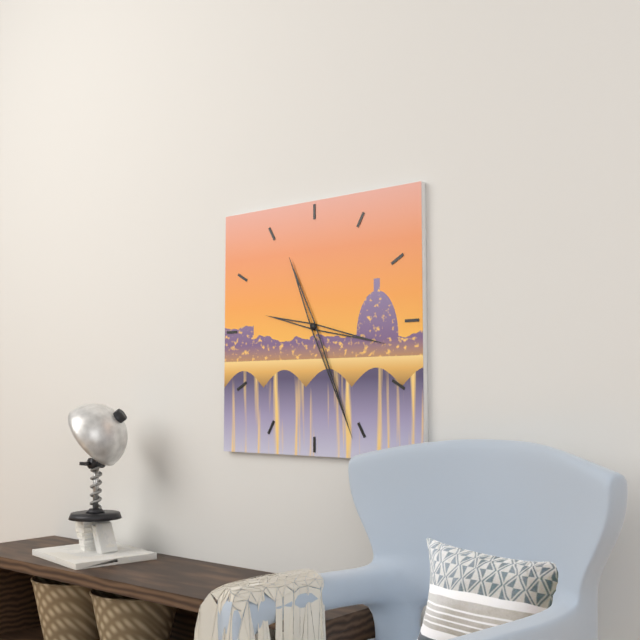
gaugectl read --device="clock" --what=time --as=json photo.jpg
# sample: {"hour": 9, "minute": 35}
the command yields {"hour": 3, "minute": 26}
